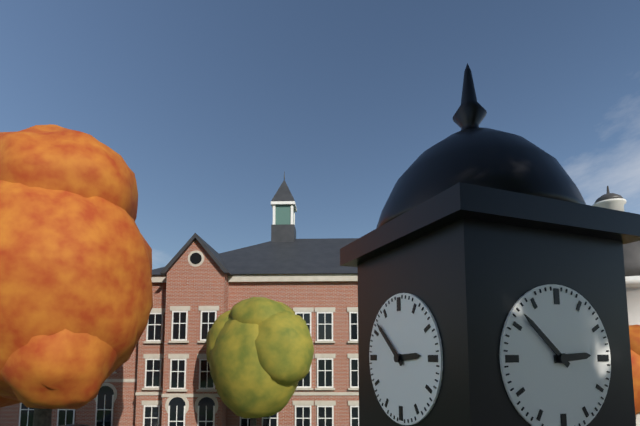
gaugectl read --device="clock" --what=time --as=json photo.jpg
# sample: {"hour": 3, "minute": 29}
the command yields {"hour": 2, "minute": 52}
